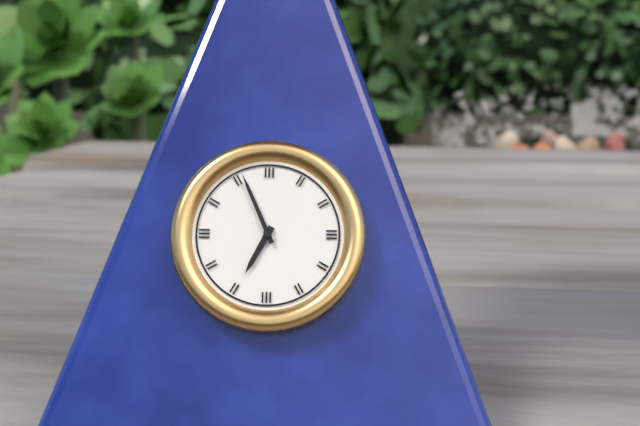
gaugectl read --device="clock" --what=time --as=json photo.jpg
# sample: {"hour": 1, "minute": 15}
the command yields {"hour": 6, "minute": 56}
